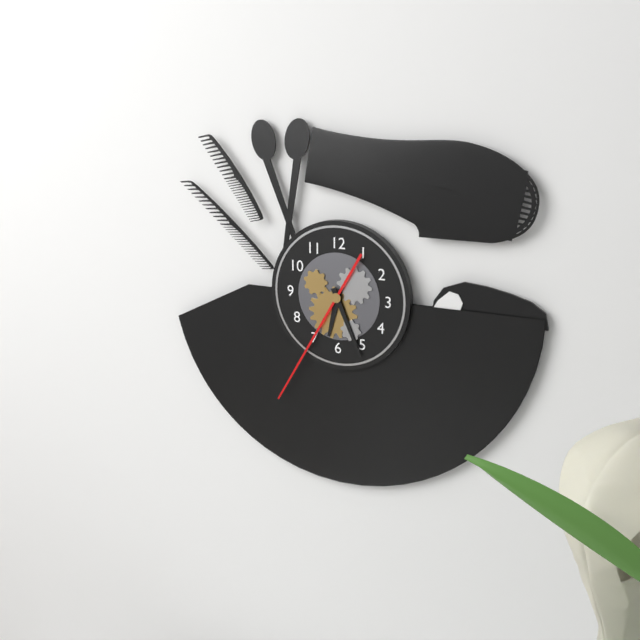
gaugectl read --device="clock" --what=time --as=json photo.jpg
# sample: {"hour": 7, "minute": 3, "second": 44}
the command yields {"hour": 6, "minute": 26, "second": 35}
